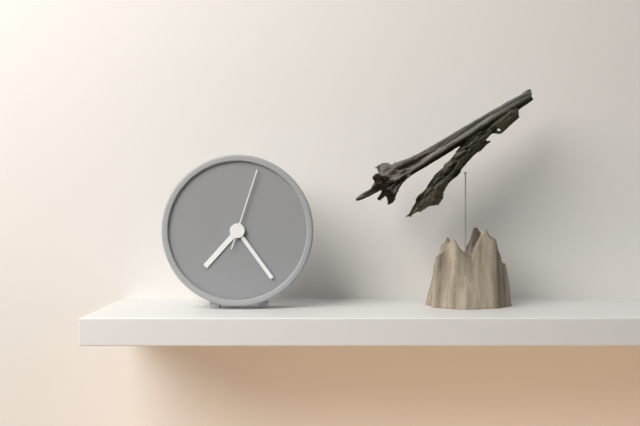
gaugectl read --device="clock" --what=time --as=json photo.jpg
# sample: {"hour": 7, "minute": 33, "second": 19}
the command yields {"hour": 7, "minute": 24, "second": 3}
